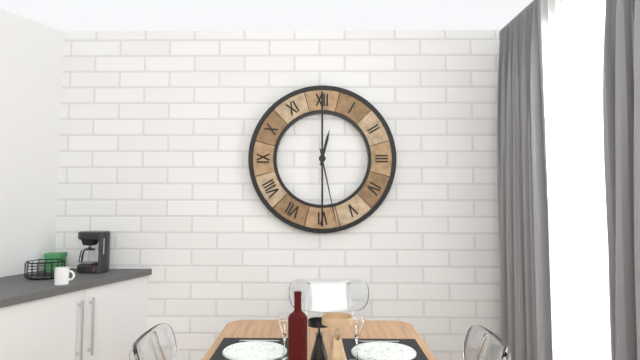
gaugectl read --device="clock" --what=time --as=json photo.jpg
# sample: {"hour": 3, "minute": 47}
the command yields {"hour": 12, "minute": 28}
